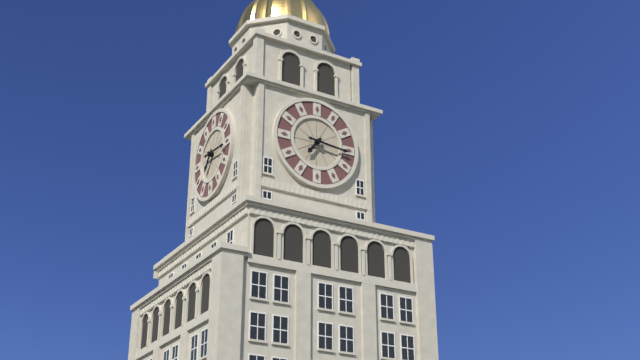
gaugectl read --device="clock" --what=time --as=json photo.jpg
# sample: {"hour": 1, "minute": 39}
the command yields {"hour": 7, "minute": 16}
